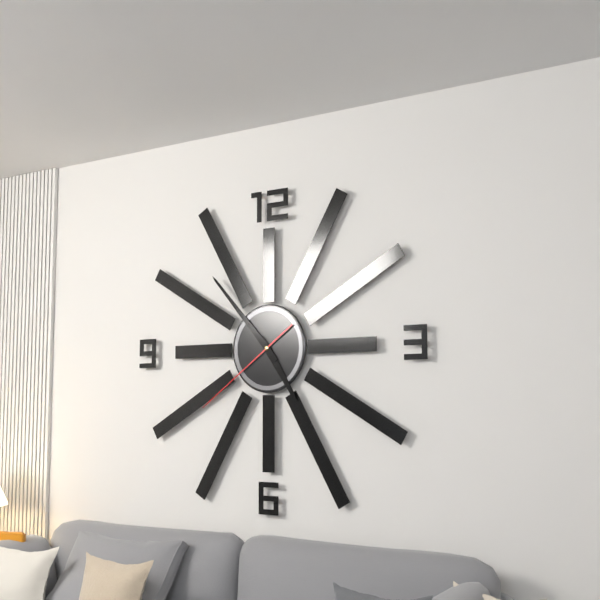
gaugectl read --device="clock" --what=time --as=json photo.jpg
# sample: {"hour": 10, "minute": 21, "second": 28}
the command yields {"hour": 4, "minute": 53, "second": 39}
